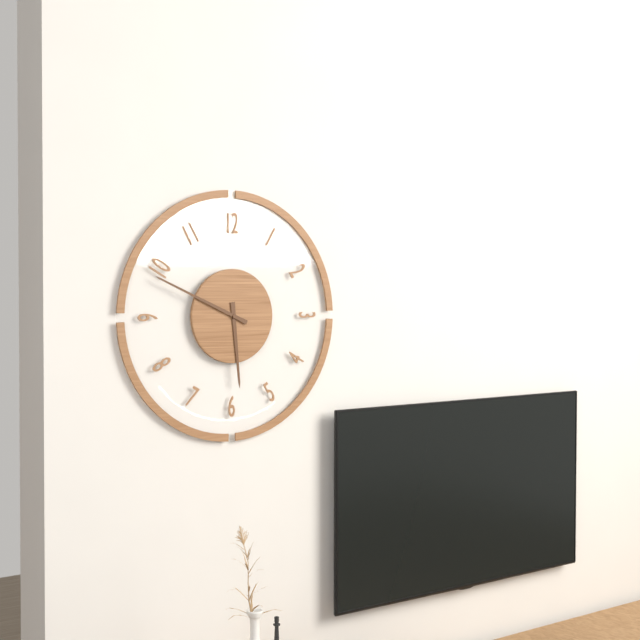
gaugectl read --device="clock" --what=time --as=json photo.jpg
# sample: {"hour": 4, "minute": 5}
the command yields {"hour": 5, "minute": 49}
